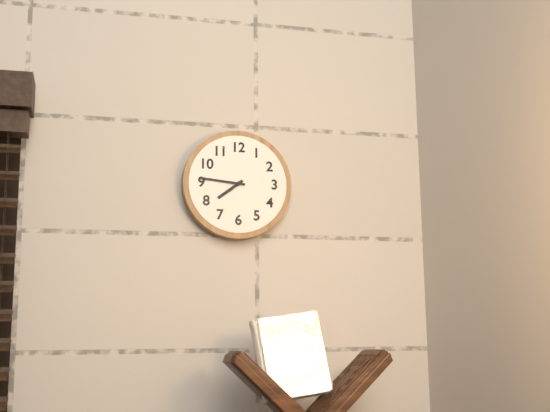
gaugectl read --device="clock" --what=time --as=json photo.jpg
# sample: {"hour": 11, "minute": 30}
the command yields {"hour": 7, "minute": 46}
